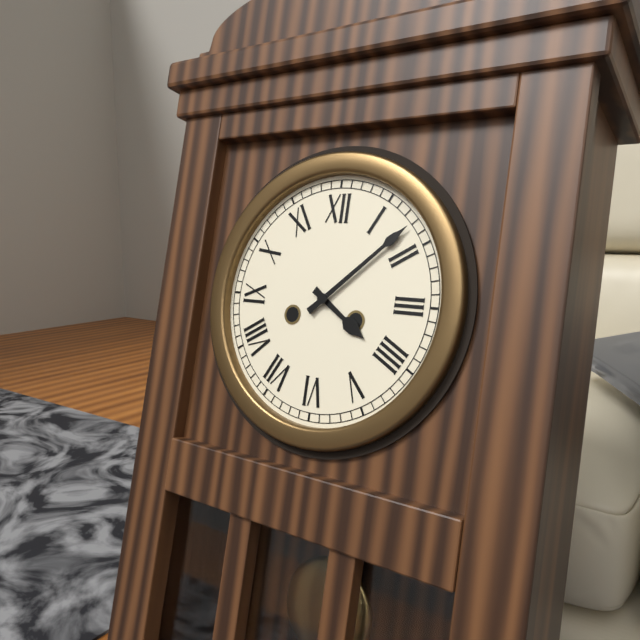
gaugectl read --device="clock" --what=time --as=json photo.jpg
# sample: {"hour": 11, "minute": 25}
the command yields {"hour": 4, "minute": 8}
